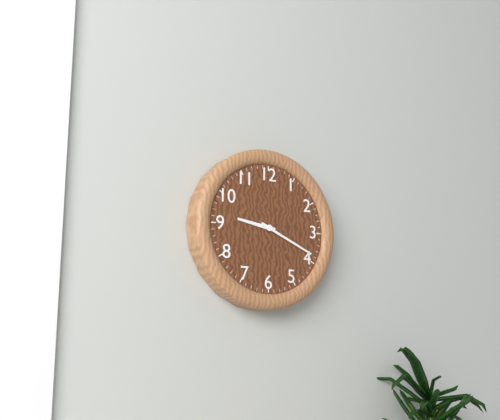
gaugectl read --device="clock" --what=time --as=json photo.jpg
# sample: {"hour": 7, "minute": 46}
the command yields {"hour": 9, "minute": 19}
